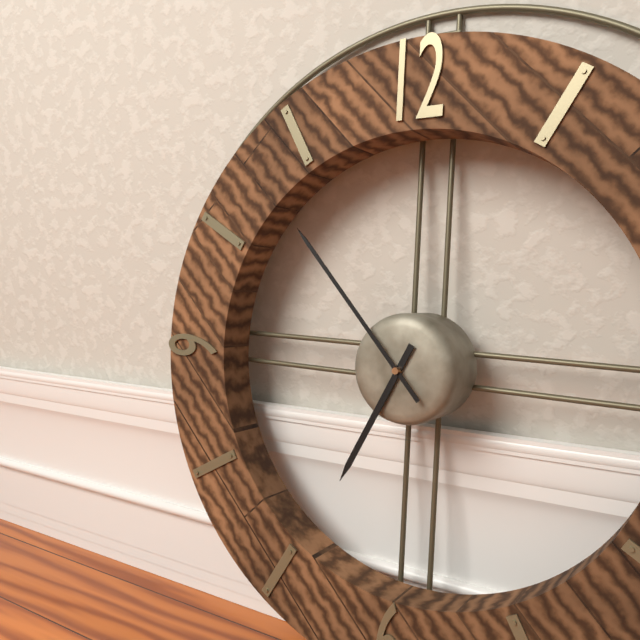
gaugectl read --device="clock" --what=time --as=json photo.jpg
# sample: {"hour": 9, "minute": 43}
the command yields {"hour": 6, "minute": 53}
